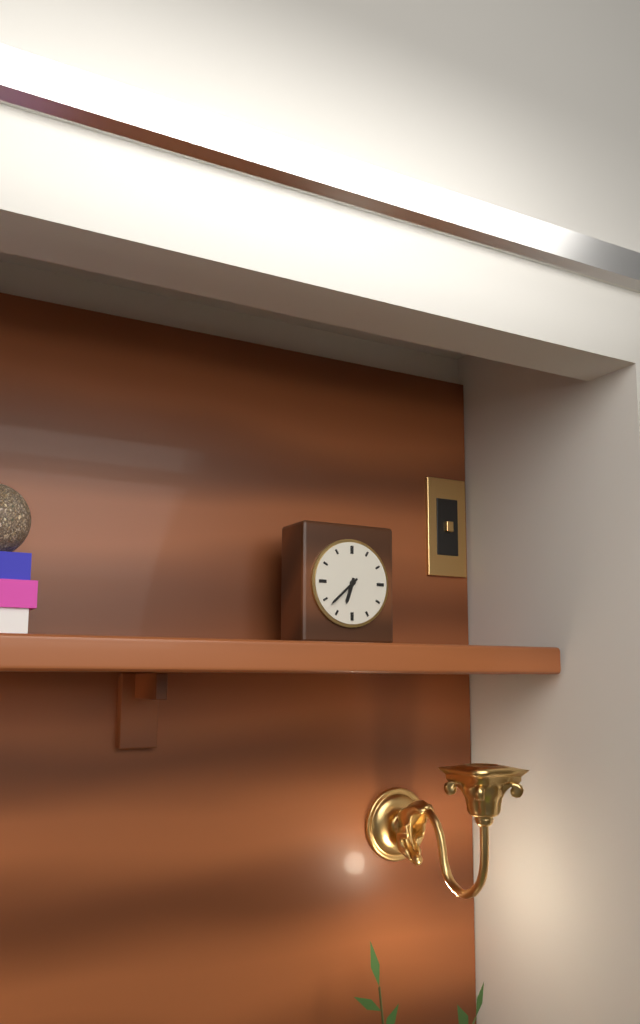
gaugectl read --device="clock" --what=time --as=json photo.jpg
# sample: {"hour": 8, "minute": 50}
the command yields {"hour": 6, "minute": 38}
